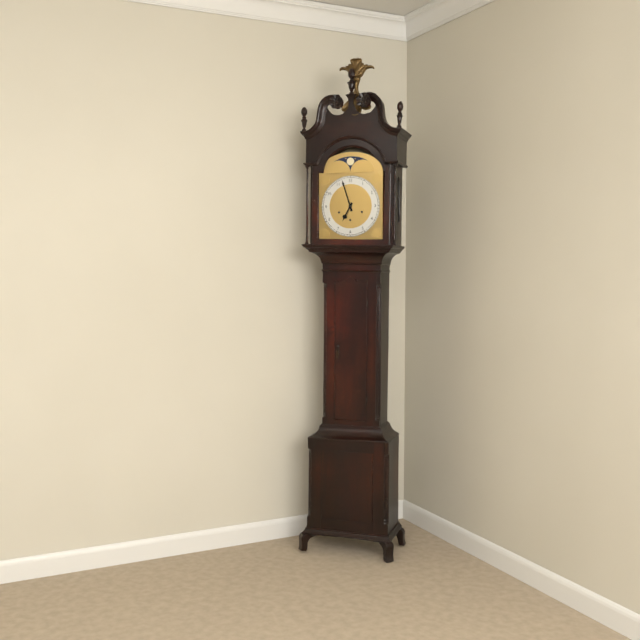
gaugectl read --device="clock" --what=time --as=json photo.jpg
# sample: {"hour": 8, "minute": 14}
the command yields {"hour": 6, "minute": 57}
